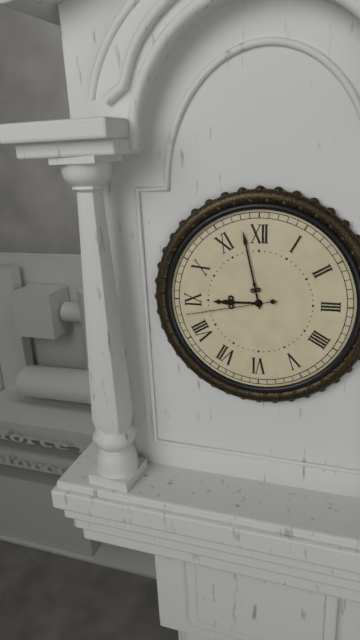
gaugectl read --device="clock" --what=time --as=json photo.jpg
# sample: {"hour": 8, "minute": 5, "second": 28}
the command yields {"hour": 8, "minute": 58, "second": 43}
